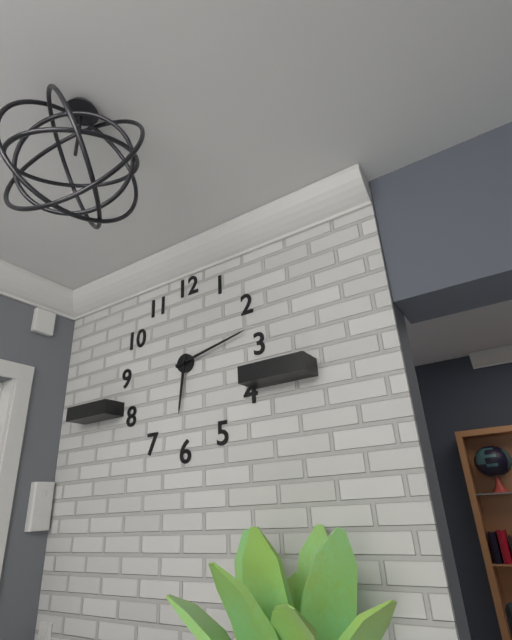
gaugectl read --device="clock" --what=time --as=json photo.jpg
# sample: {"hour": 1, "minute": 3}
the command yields {"hour": 6, "minute": 13}
